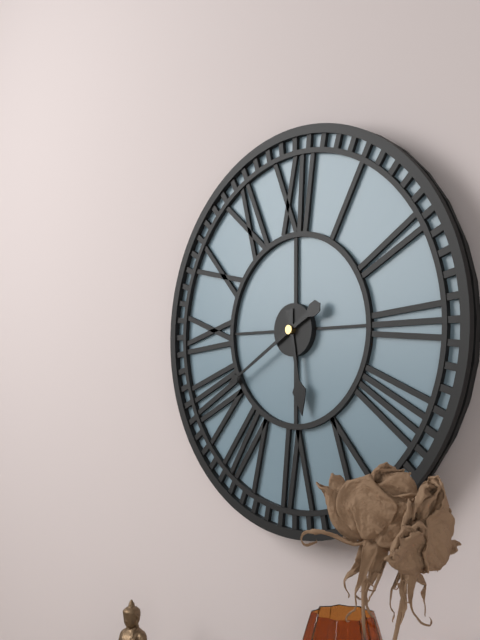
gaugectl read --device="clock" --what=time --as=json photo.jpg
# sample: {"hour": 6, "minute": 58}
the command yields {"hour": 5, "minute": 40}
